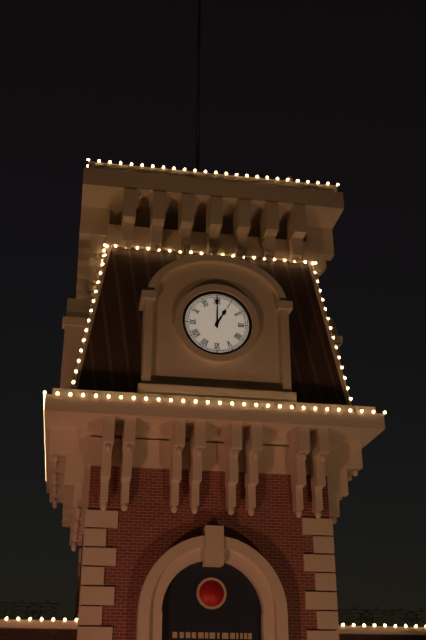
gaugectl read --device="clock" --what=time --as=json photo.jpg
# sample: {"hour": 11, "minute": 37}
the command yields {"hour": 1, "minute": 0}
